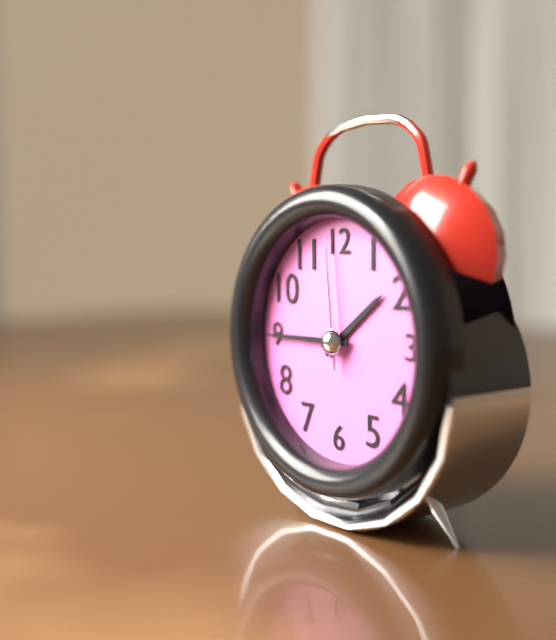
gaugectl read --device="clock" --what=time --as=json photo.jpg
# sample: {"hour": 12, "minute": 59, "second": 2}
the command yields {"hour": 1, "minute": 45, "second": 59}
